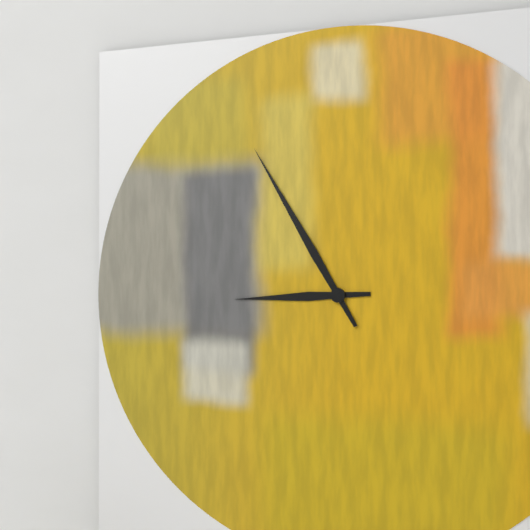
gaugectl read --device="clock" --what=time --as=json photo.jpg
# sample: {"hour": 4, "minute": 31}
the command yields {"hour": 8, "minute": 55}
